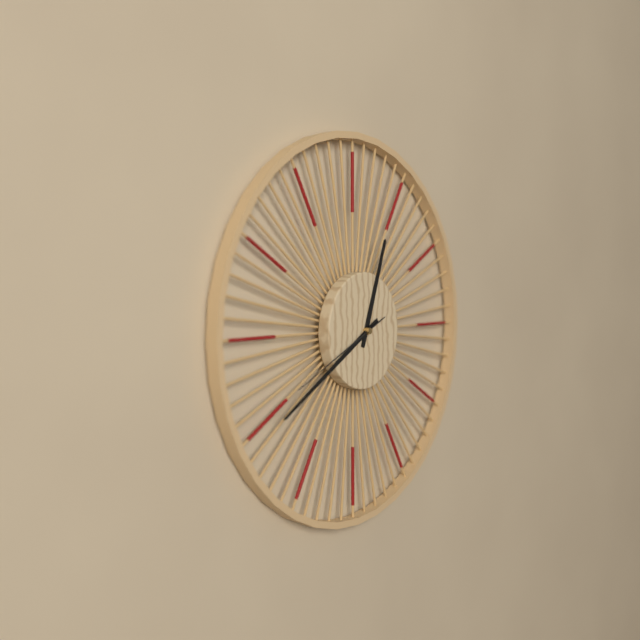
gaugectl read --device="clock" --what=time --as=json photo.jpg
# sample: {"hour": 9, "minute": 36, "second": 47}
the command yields {"hour": 12, "minute": 40, "second": 41}
